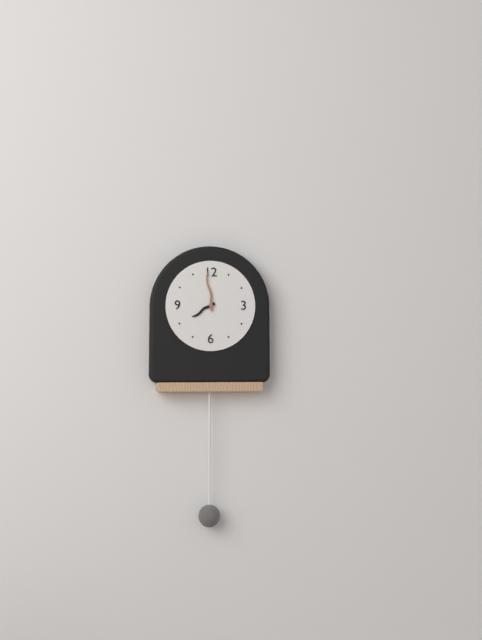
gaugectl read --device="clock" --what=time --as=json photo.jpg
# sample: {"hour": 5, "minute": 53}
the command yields {"hour": 7, "minute": 59}
